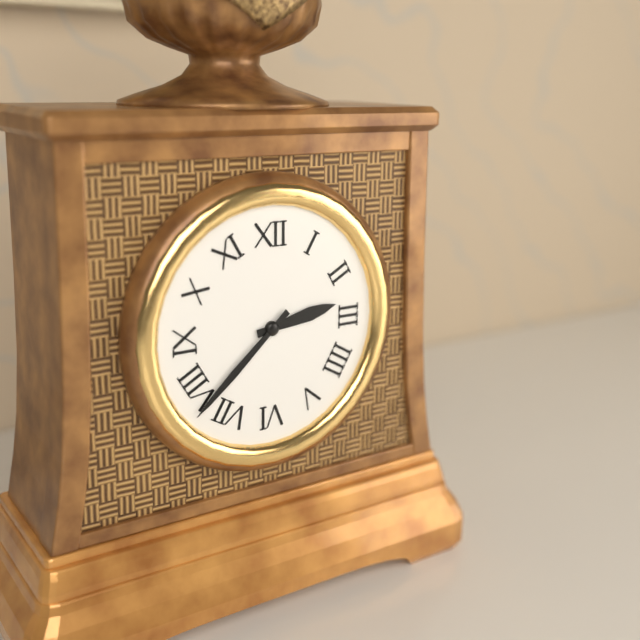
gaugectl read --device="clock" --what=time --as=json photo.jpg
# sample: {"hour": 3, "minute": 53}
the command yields {"hour": 2, "minute": 38}
